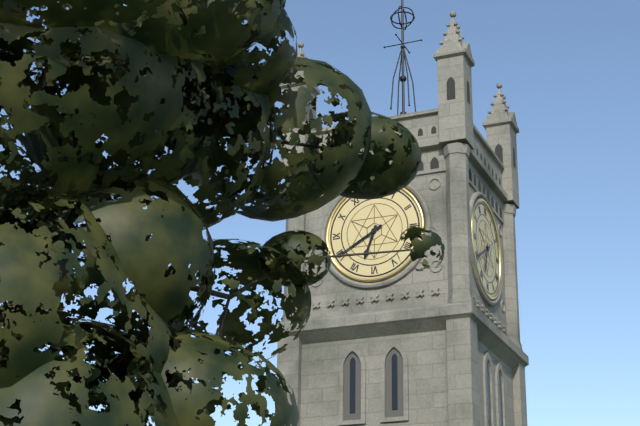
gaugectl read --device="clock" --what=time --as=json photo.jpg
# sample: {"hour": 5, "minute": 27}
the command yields {"hour": 6, "minute": 40}
